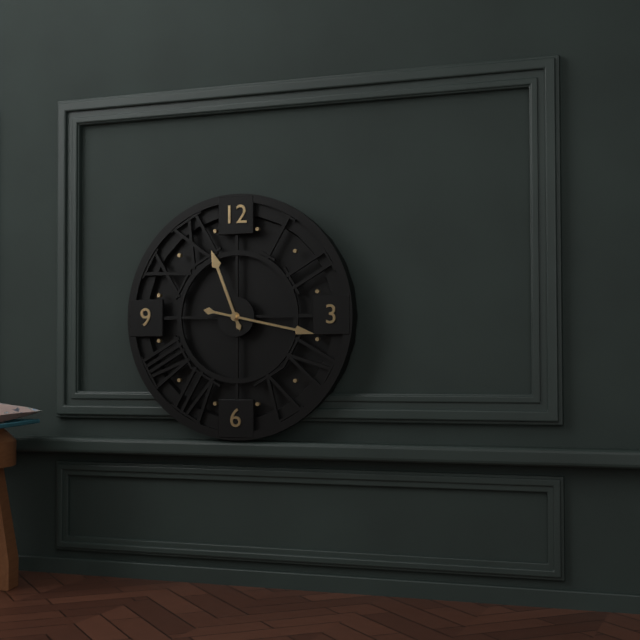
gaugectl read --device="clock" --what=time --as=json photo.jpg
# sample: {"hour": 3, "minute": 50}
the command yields {"hour": 11, "minute": 17}
